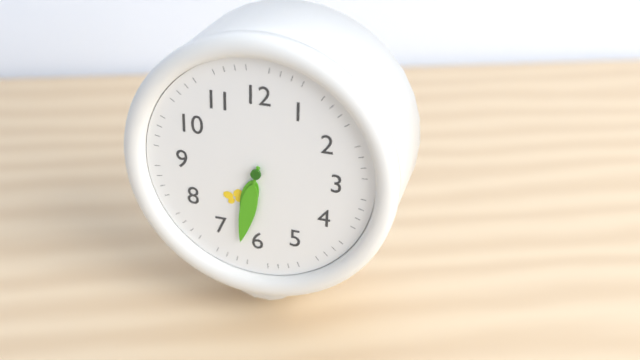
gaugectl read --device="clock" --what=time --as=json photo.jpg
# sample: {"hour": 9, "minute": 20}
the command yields {"hour": 6, "minute": 32}
